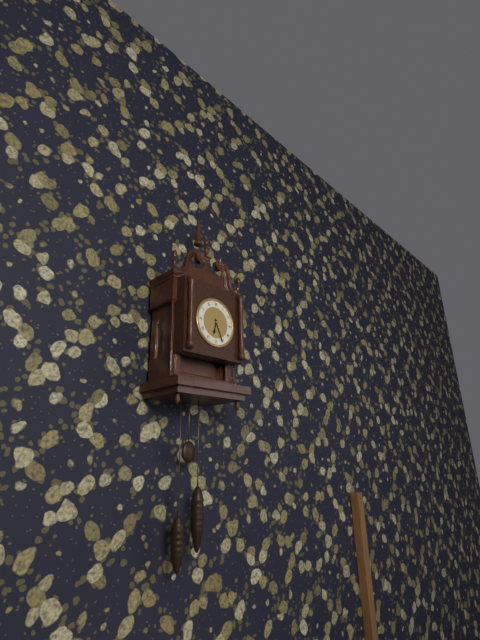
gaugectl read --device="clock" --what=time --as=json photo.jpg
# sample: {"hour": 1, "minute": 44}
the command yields {"hour": 6, "minute": 26}
